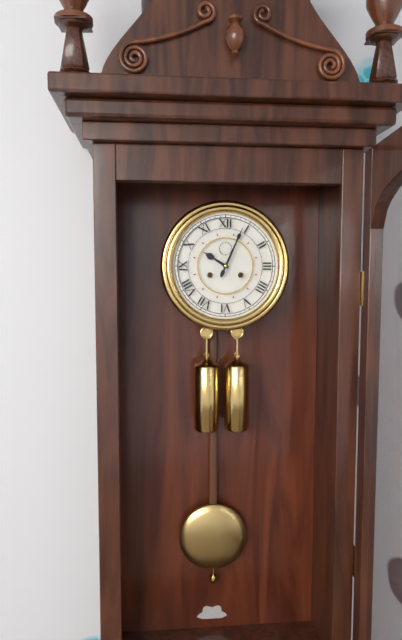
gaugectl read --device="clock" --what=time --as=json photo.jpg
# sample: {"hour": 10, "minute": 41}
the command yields {"hour": 10, "minute": 4}
